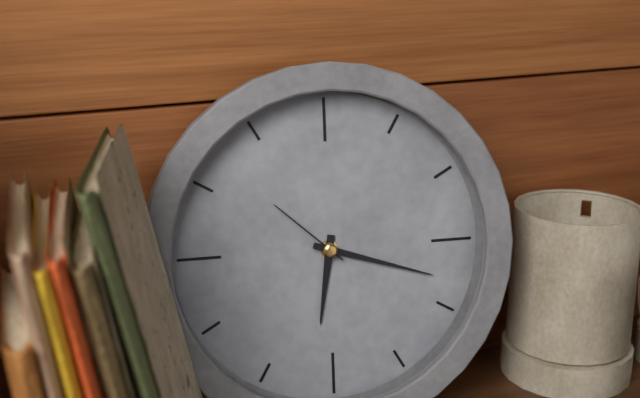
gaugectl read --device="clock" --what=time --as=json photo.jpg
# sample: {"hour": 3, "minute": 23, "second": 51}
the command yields {"hour": 6, "minute": 18, "second": 52}
